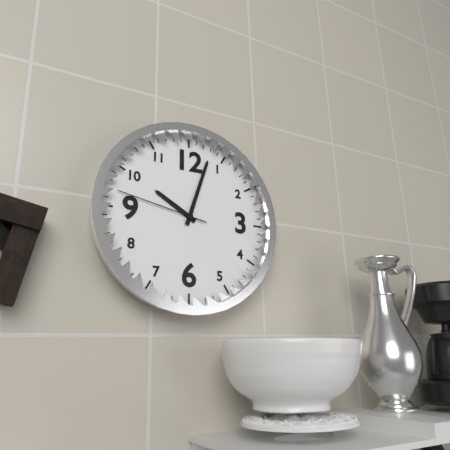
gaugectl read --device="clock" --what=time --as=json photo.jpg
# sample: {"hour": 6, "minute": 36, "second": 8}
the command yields {"hour": 10, "minute": 3, "second": 47}
